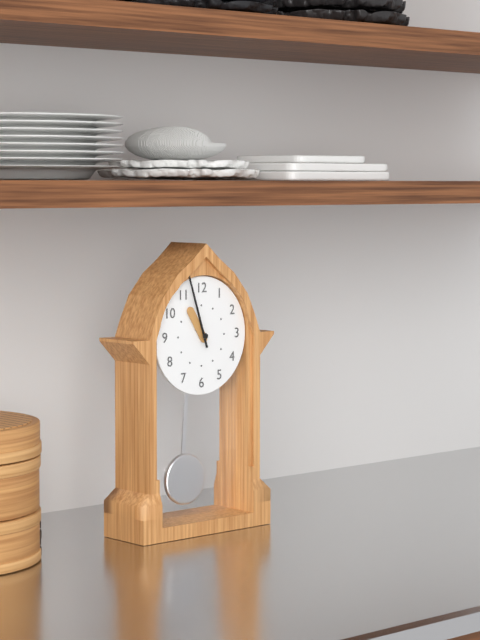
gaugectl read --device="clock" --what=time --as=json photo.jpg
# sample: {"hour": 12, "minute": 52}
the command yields {"hour": 10, "minute": 57}
